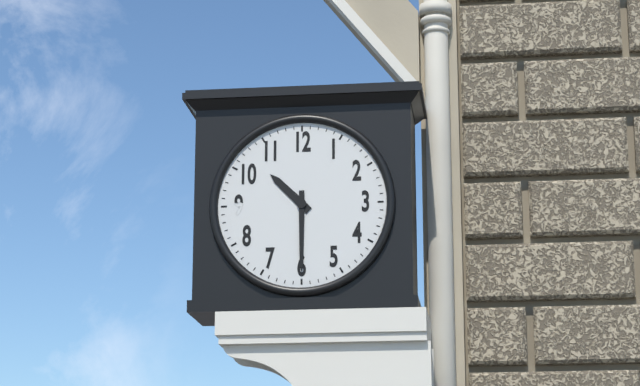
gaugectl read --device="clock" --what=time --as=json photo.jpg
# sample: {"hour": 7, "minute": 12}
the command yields {"hour": 10, "minute": 30}
